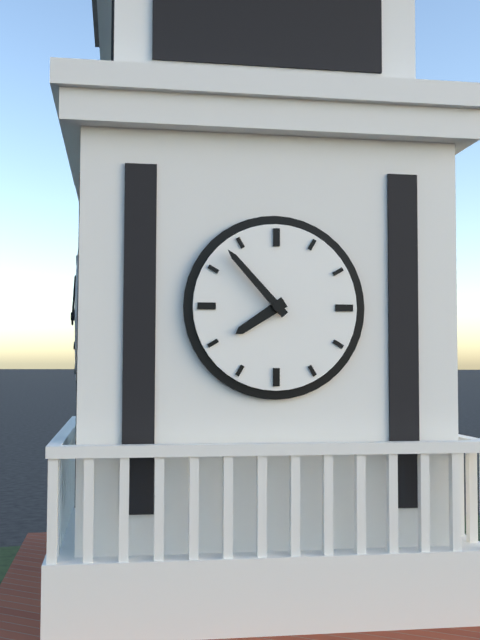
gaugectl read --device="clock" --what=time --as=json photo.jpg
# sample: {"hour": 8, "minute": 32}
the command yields {"hour": 7, "minute": 53}
